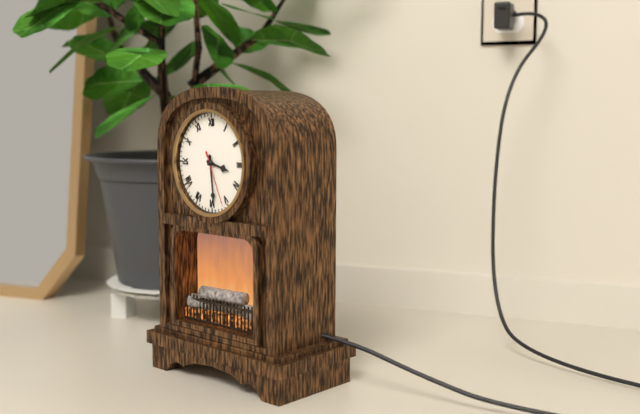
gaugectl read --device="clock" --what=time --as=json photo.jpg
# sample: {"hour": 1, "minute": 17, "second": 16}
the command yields {"hour": 3, "minute": 29, "second": 26}
